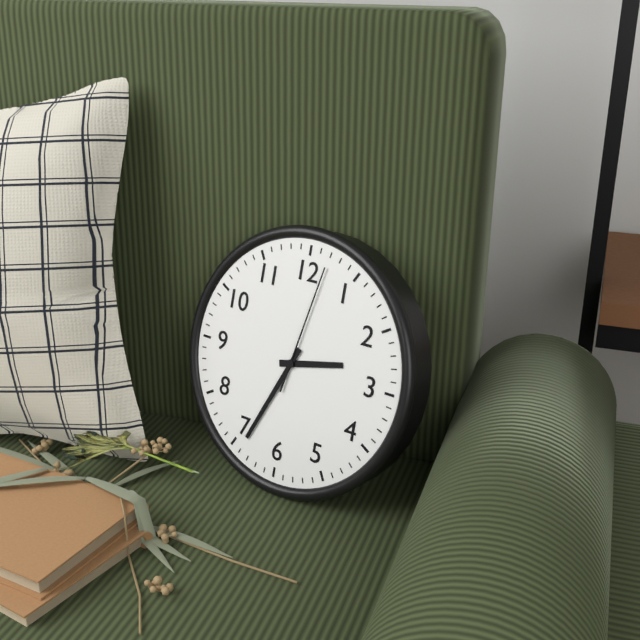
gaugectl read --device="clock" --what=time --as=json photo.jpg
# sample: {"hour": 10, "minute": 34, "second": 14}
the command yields {"hour": 2, "minute": 34, "second": 2}
